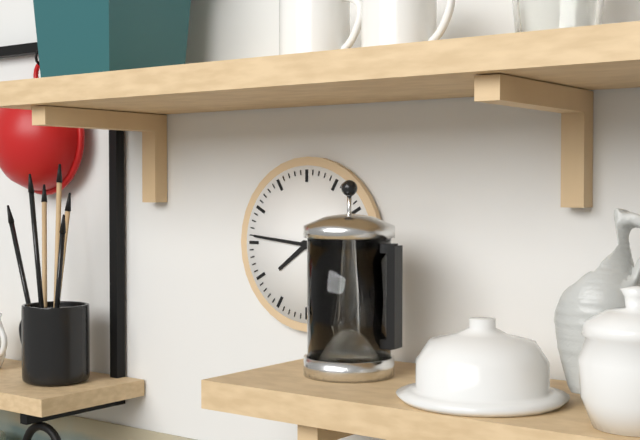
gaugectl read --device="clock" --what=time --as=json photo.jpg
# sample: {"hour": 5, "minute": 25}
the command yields {"hour": 7, "minute": 46}
